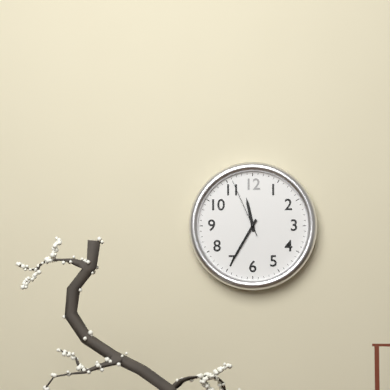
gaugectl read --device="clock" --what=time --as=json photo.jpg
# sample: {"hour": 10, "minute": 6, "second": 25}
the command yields {"hour": 11, "minute": 35, "second": 56}
